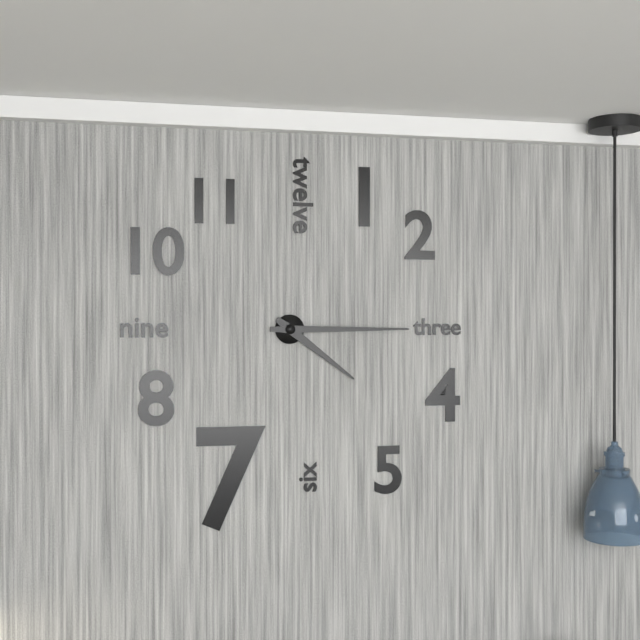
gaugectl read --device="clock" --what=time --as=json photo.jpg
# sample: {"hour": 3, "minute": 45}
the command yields {"hour": 4, "minute": 15}
